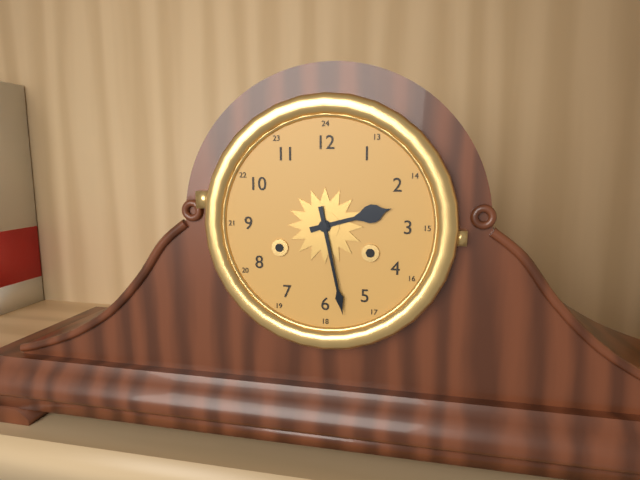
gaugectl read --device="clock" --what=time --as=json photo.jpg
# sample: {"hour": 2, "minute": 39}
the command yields {"hour": 2, "minute": 28}
